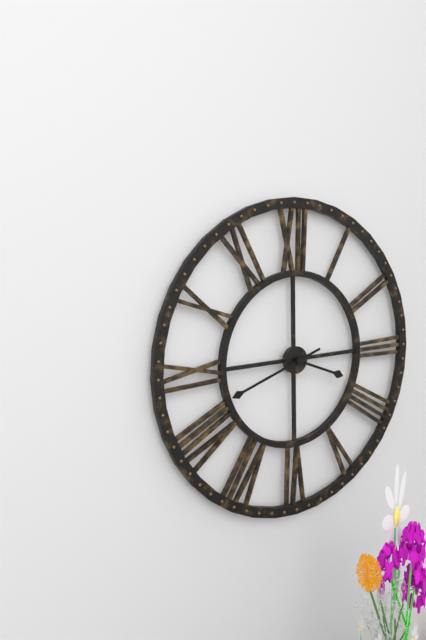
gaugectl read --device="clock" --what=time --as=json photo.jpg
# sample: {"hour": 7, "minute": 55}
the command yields {"hour": 3, "minute": 42}
